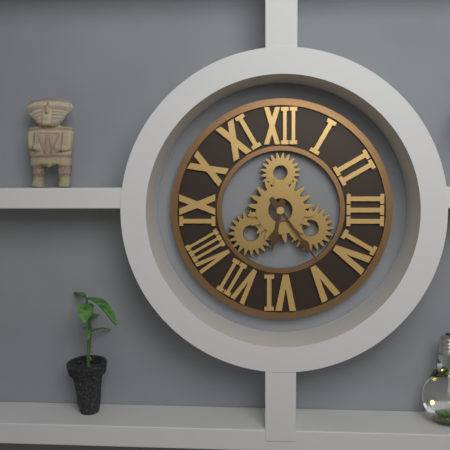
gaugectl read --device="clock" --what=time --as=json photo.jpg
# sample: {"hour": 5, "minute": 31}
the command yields {"hour": 6, "minute": 24}
